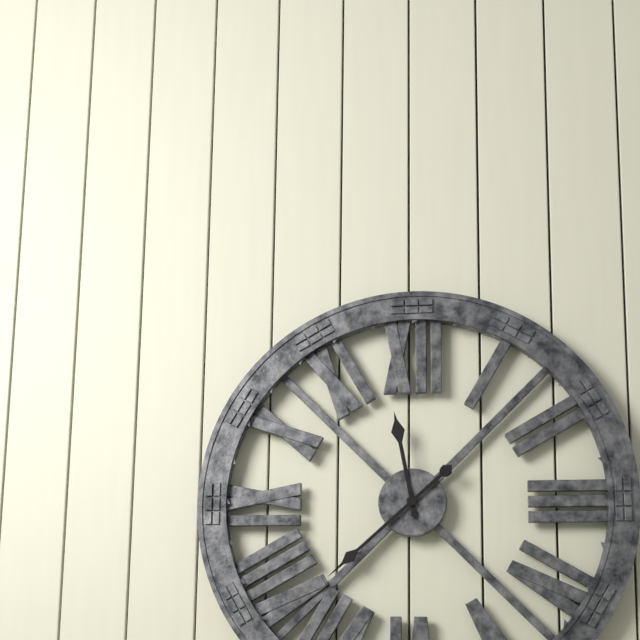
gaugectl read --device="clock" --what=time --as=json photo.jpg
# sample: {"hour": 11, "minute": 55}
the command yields {"hour": 11, "minute": 38}
